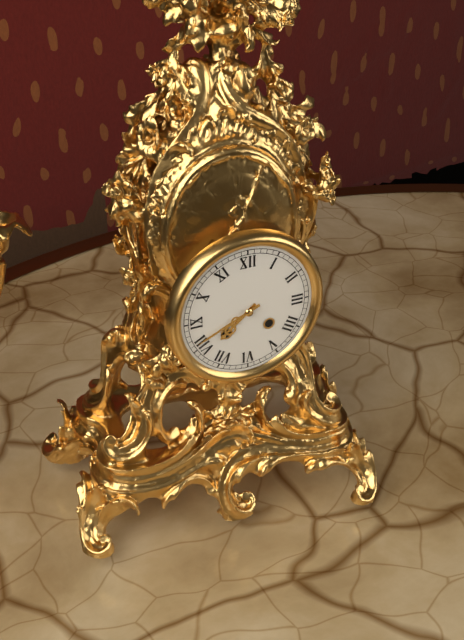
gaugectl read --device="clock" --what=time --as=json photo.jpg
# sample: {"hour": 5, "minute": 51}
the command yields {"hour": 7, "minute": 41}
